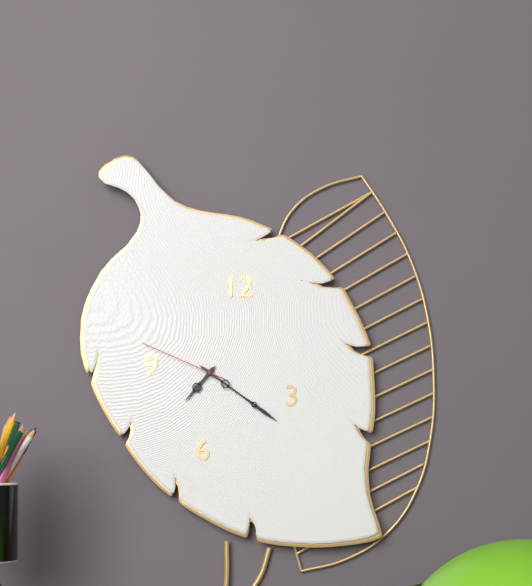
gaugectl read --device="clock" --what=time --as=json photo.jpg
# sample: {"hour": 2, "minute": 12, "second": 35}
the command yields {"hour": 7, "minute": 21, "second": 49}
